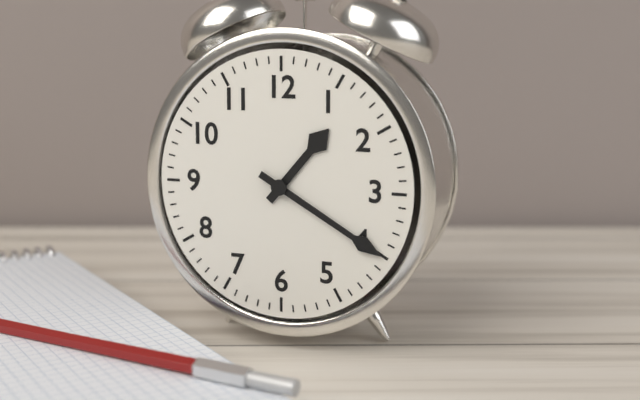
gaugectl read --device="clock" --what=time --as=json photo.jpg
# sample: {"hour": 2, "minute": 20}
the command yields {"hour": 1, "minute": 20}
